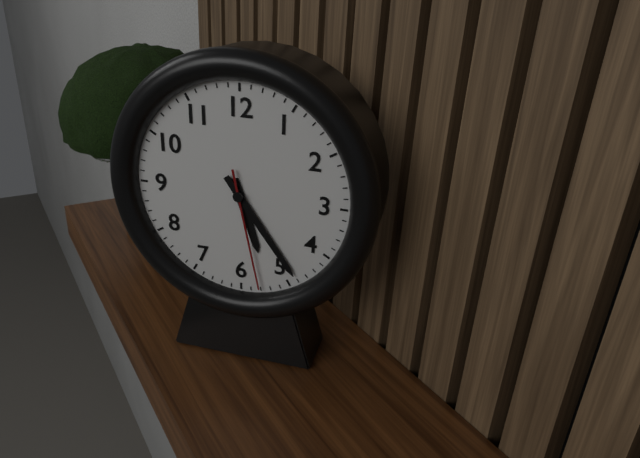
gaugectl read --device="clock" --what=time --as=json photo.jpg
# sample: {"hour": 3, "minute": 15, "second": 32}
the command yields {"hour": 5, "minute": 24, "second": 28}
